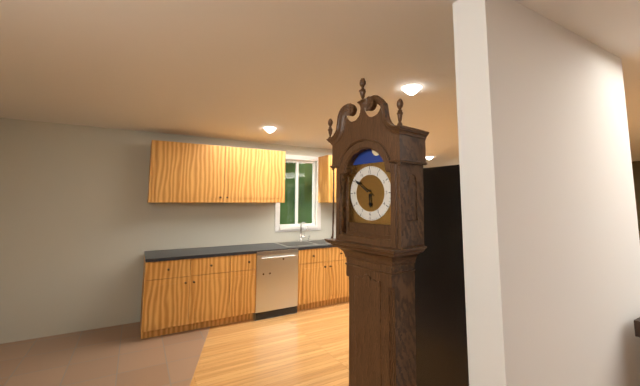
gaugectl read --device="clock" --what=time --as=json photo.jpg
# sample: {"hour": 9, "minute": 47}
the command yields {"hour": 5, "minute": 51}
